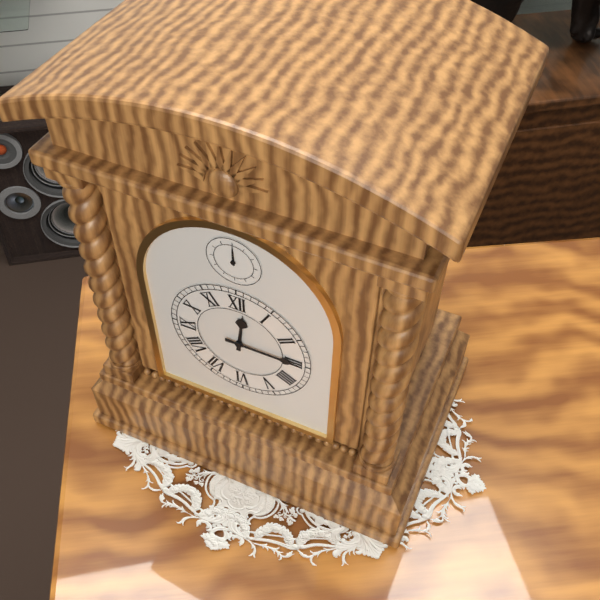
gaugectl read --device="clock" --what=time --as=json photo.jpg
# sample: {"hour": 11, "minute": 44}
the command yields {"hour": 12, "minute": 15}
